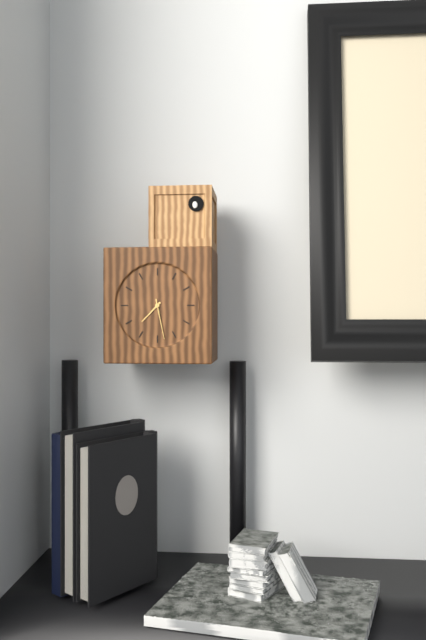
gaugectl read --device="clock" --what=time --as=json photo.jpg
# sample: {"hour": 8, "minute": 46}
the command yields {"hour": 7, "minute": 28}
